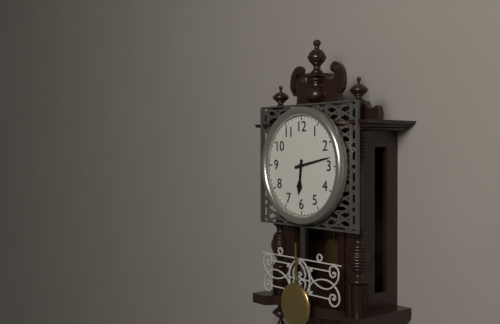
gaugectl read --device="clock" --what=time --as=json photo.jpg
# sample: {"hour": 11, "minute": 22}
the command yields {"hour": 6, "minute": 13}
